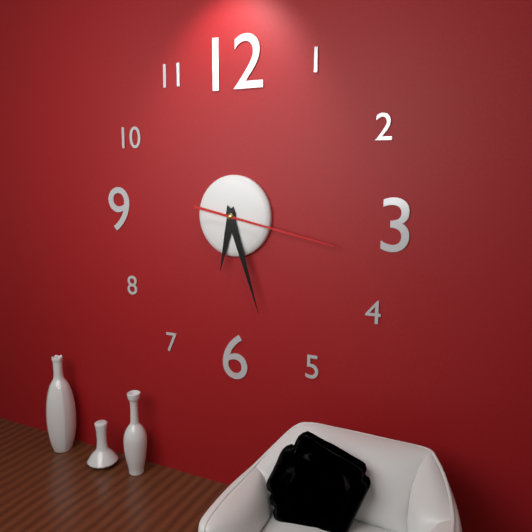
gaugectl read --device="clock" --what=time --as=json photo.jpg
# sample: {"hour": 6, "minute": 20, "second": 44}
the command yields {"hour": 6, "minute": 27, "second": 17}
